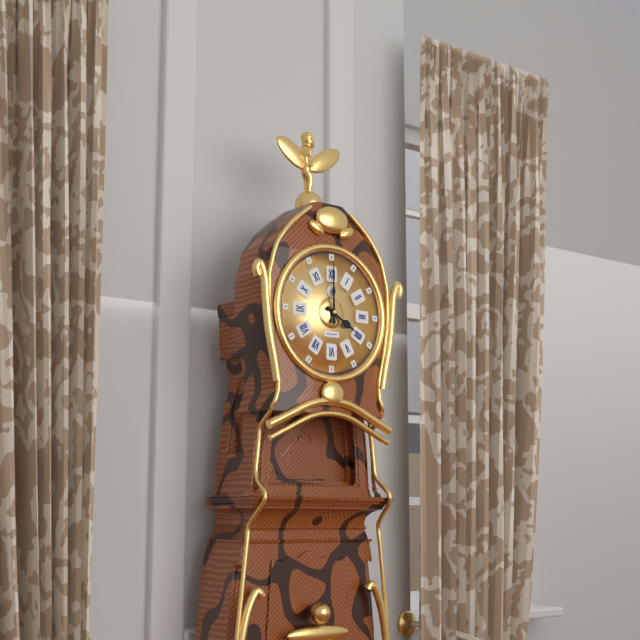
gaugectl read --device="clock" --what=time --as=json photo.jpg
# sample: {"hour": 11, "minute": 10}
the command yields {"hour": 4, "minute": 0}
